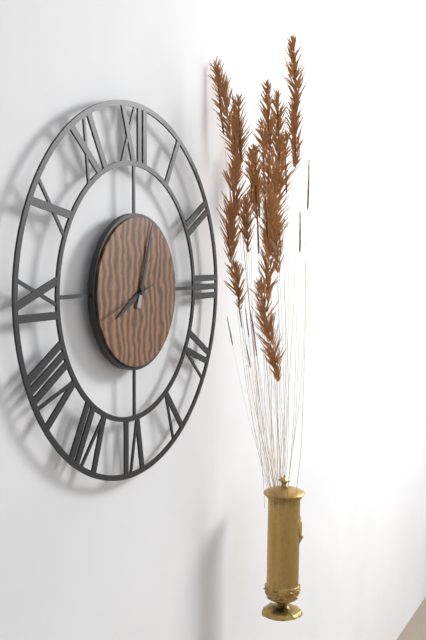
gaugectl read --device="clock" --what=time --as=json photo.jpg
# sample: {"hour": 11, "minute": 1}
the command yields {"hour": 8, "minute": 3}
